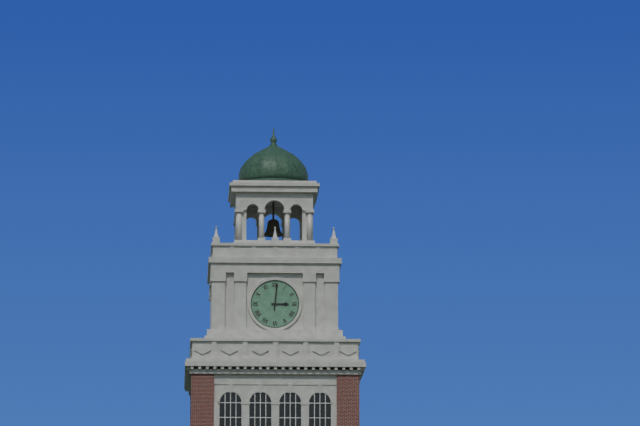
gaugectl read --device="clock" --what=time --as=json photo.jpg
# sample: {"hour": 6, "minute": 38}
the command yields {"hour": 3, "minute": 1}
